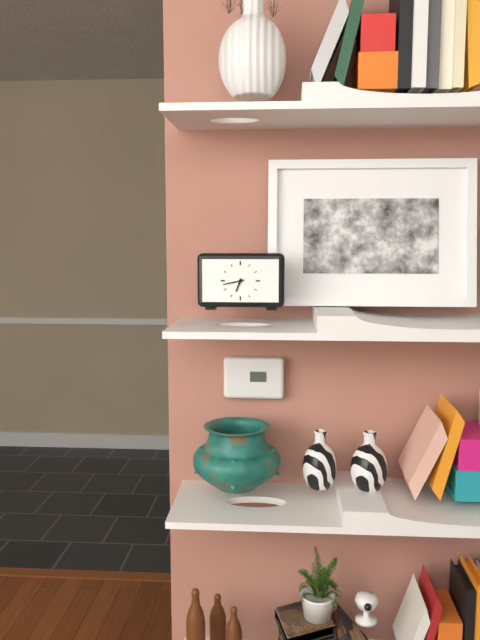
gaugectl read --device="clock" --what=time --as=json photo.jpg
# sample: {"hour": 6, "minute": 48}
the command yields {"hour": 6, "minute": 43}
